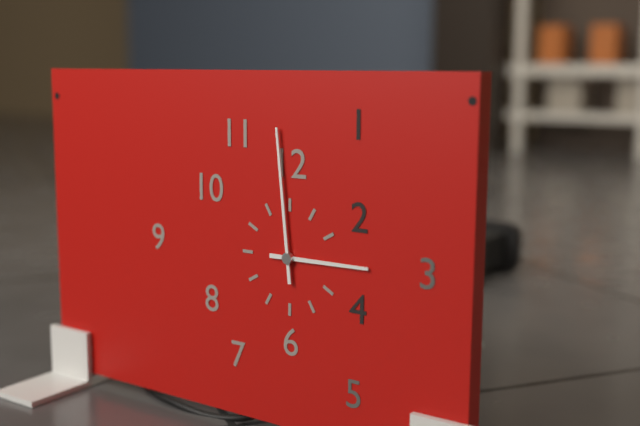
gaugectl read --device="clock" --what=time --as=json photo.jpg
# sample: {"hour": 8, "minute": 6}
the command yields {"hour": 2, "minute": 59}
